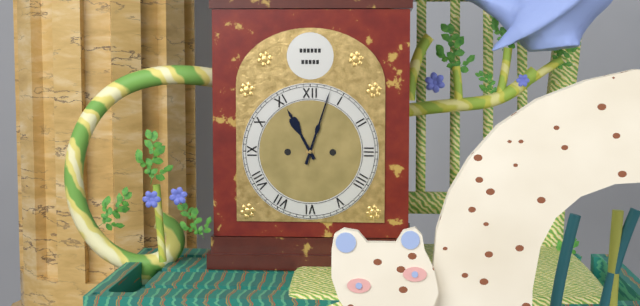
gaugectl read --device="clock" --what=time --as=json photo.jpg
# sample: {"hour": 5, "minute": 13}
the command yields {"hour": 11, "minute": 3}
